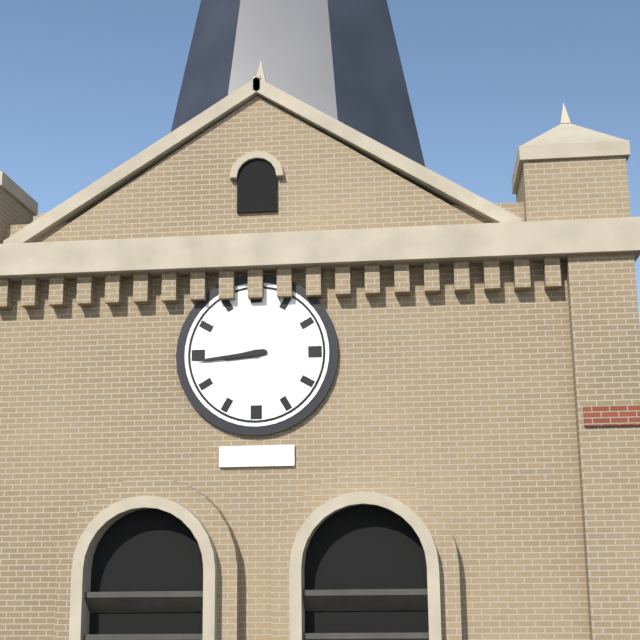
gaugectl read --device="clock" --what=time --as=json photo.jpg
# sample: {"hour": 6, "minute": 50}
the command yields {"hour": 8, "minute": 44}
